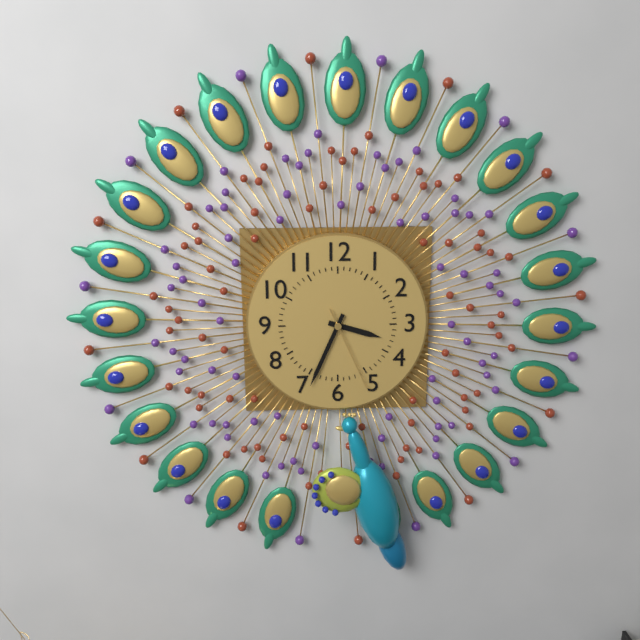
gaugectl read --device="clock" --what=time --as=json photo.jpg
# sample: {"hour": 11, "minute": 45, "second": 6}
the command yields {"hour": 3, "minute": 34, "second": 26}
